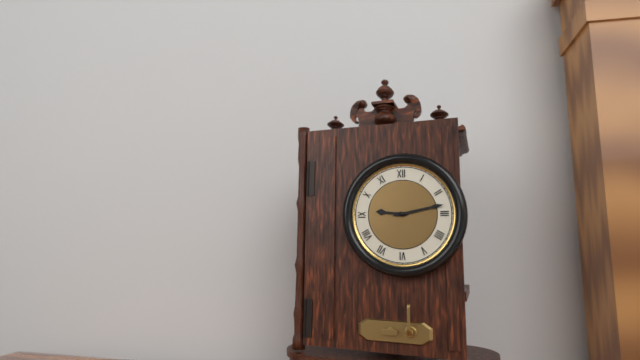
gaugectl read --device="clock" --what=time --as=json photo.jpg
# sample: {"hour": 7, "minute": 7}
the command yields {"hour": 9, "minute": 13}
